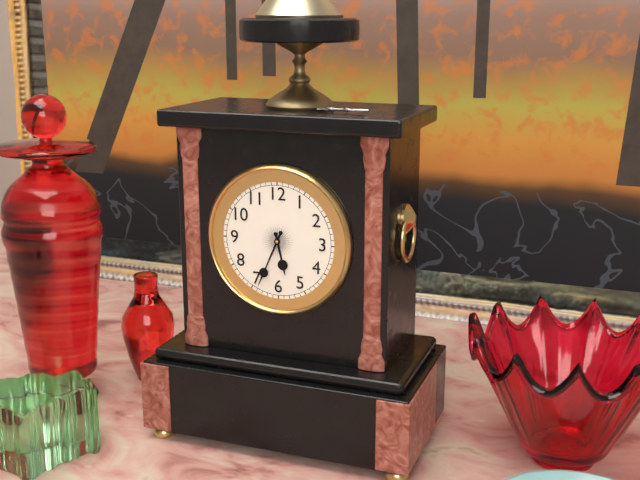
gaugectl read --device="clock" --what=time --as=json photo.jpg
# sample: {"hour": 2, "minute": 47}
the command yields {"hour": 5, "minute": 34}
